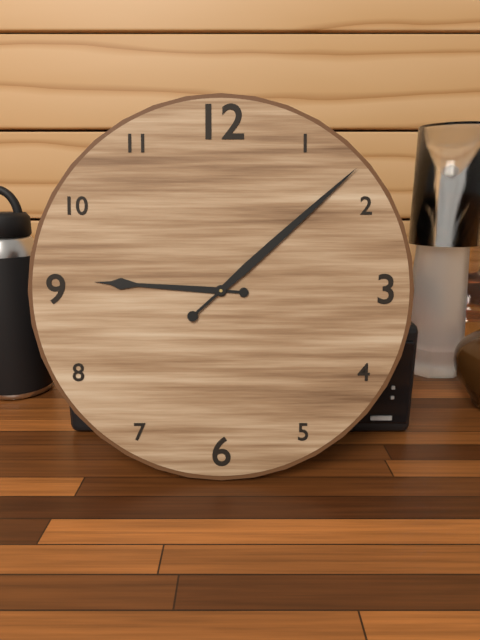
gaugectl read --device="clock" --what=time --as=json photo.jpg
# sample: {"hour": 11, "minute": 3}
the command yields {"hour": 9, "minute": 8}
